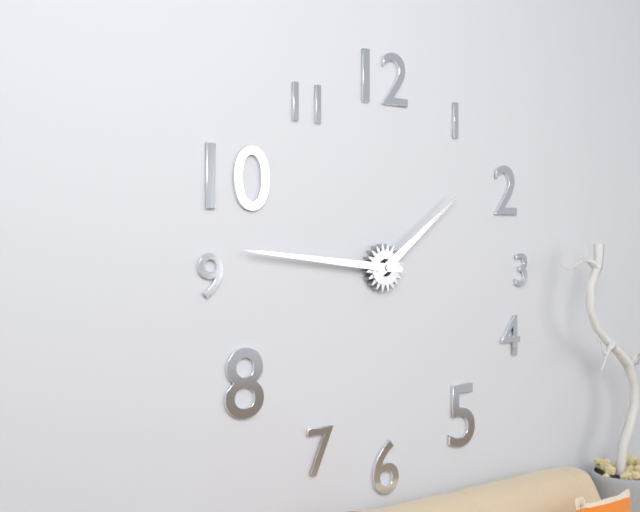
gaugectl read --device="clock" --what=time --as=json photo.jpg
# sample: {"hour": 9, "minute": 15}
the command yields {"hour": 1, "minute": 46}
